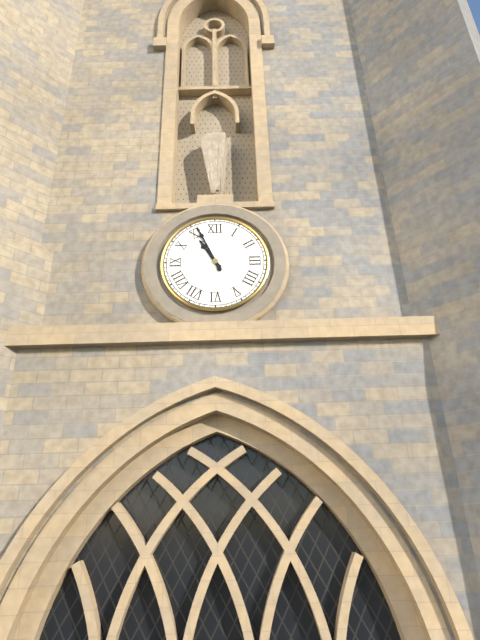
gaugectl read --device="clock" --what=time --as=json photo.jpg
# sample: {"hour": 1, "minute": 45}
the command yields {"hour": 10, "minute": 56}
